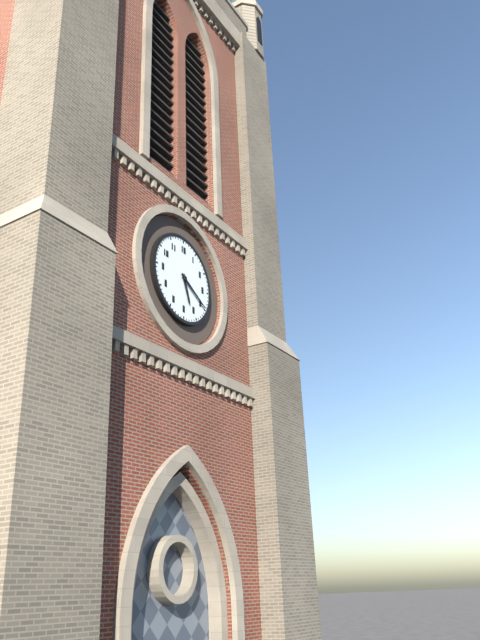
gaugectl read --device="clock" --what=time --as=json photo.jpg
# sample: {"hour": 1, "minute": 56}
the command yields {"hour": 5, "minute": 20}
